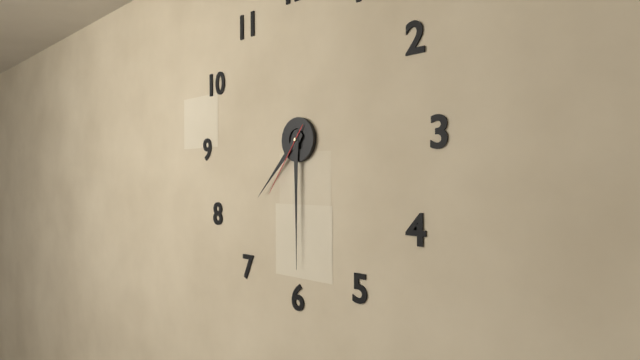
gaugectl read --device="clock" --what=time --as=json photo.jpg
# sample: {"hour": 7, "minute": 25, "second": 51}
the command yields {"hour": 7, "minute": 30, "second": 36}
